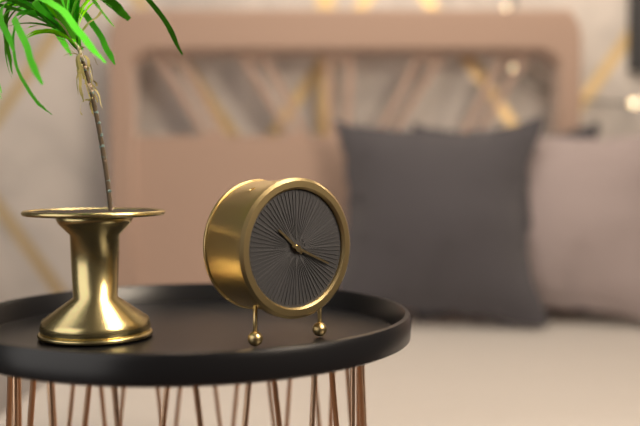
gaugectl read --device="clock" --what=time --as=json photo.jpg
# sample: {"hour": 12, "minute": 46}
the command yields {"hour": 10, "minute": 19}
